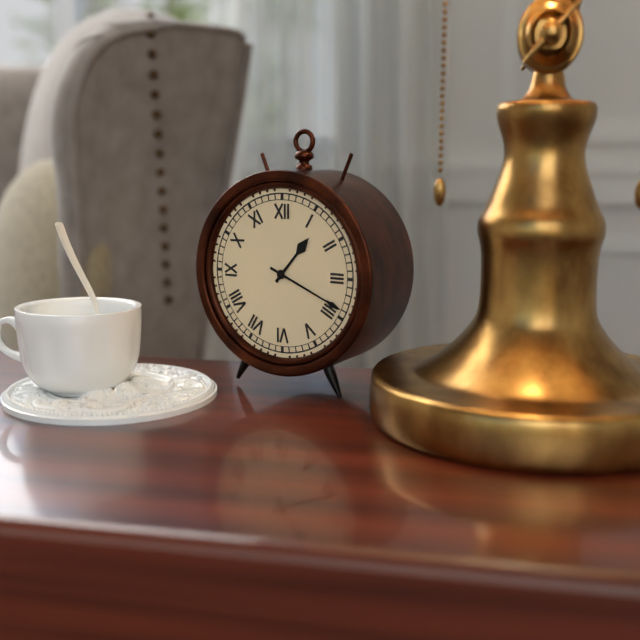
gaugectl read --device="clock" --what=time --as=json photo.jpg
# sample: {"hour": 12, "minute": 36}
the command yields {"hour": 1, "minute": 19}
